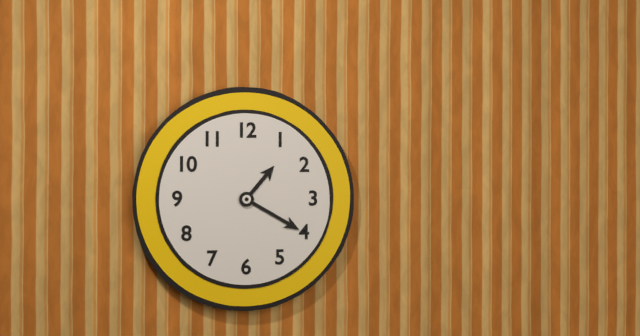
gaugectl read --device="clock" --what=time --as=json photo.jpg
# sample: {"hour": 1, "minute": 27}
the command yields {"hour": 1, "minute": 20}
